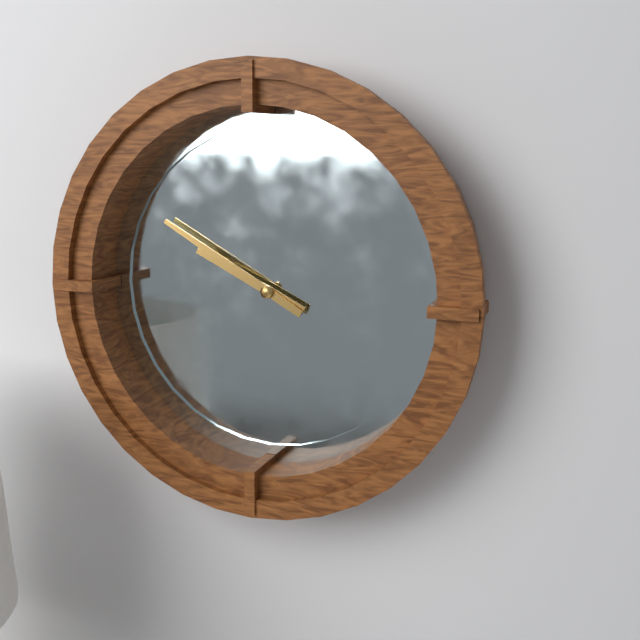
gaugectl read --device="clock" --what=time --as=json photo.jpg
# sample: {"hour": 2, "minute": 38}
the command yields {"hour": 9, "minute": 50}
